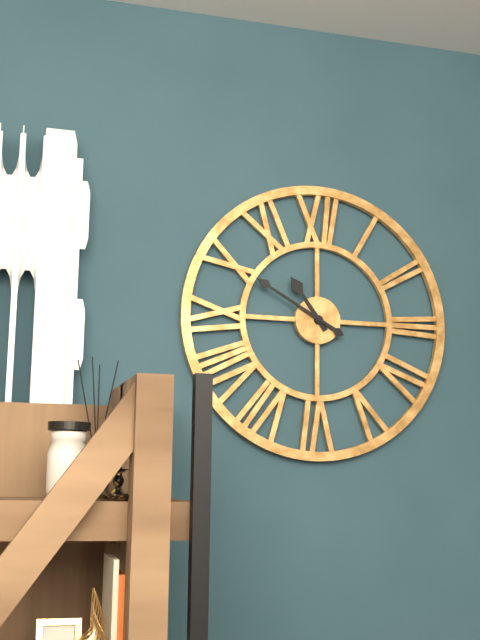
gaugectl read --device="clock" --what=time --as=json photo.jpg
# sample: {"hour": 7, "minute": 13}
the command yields {"hour": 10, "minute": 50}
